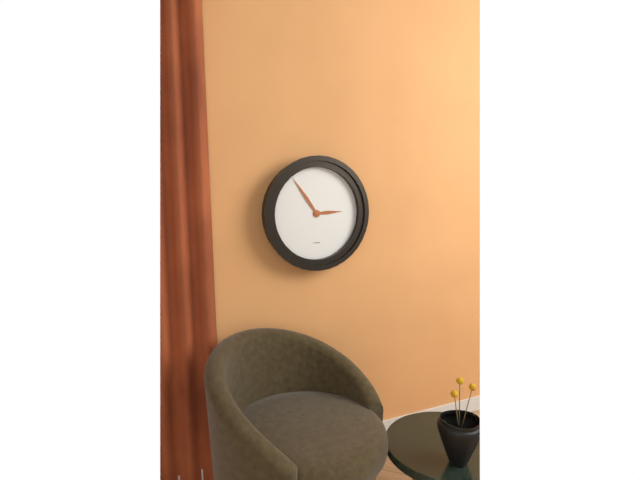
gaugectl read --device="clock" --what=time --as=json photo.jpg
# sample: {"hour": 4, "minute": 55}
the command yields {"hour": 2, "minute": 54}
